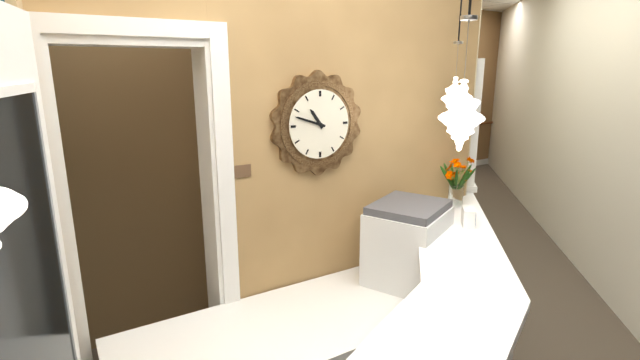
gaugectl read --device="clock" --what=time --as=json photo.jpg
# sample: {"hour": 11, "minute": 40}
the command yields {"hour": 10, "minute": 48}
